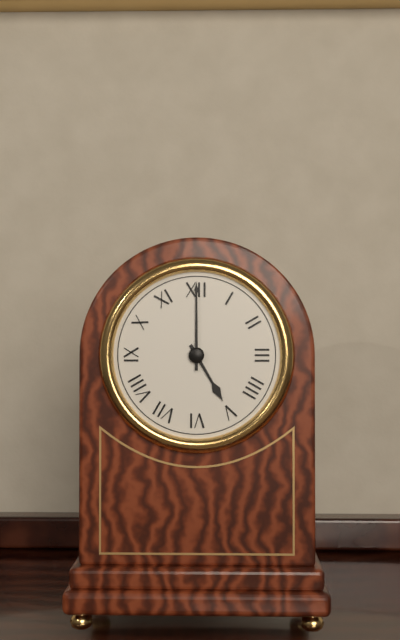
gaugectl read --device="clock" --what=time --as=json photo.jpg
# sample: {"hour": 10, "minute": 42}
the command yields {"hour": 5, "minute": 0}
